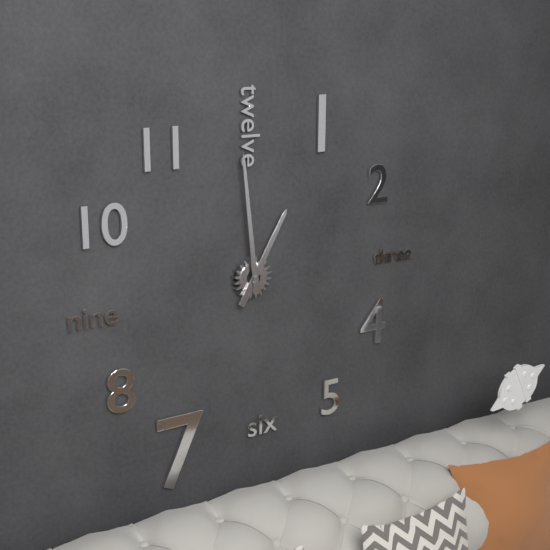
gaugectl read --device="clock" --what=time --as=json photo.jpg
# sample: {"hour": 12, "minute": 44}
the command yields {"hour": 12, "minute": 59}
